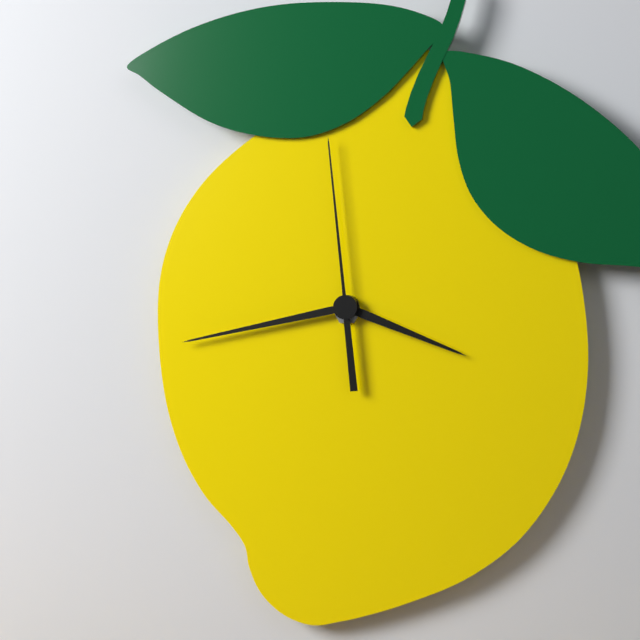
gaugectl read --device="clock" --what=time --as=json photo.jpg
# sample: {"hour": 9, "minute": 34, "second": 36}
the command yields {"hour": 3, "minute": 43, "second": 59}
